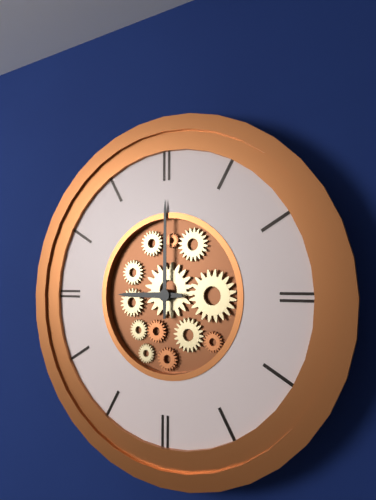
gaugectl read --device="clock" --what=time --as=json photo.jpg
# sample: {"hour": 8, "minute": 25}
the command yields {"hour": 9, "minute": 0}
